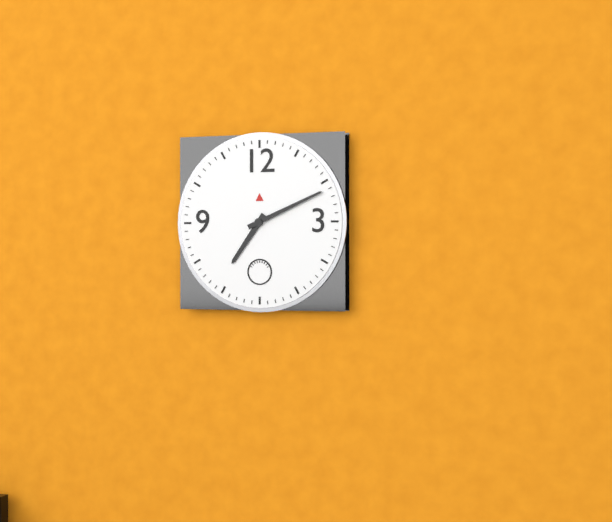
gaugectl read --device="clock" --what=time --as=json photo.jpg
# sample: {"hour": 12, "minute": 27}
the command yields {"hour": 7, "minute": 11}
